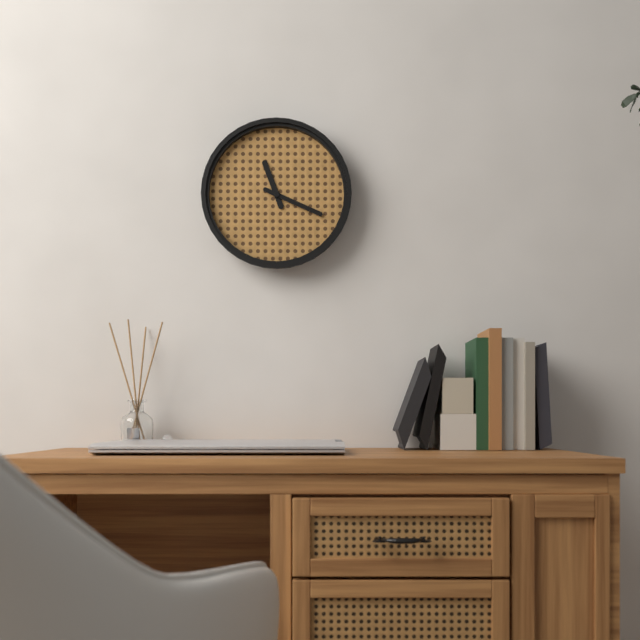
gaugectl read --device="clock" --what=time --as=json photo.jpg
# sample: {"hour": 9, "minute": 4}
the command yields {"hour": 11, "minute": 19}
